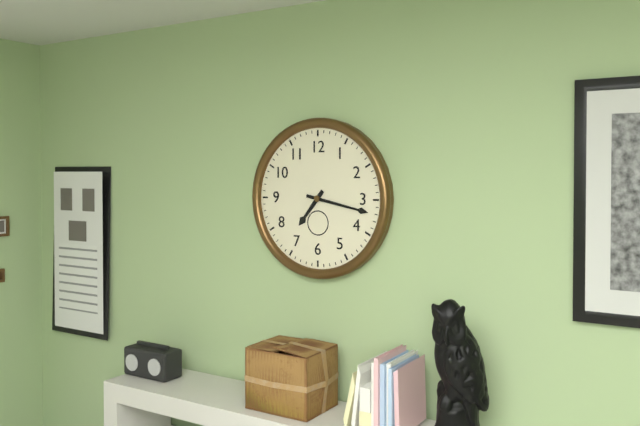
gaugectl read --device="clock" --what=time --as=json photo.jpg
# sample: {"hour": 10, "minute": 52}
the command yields {"hour": 7, "minute": 17}
